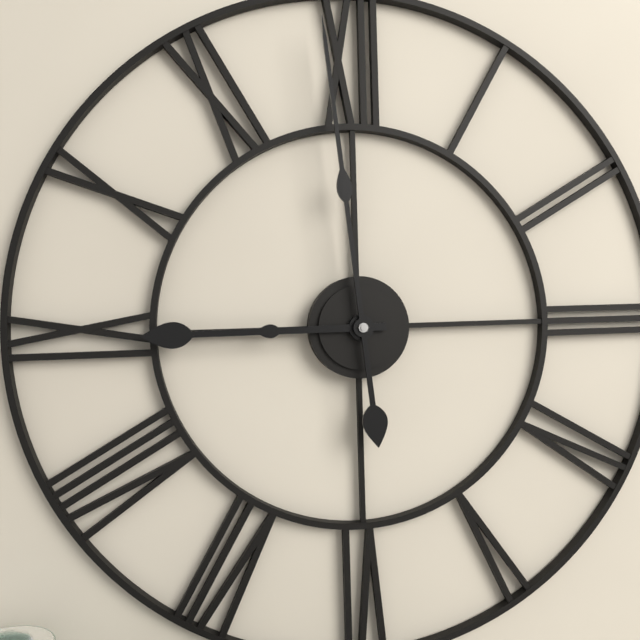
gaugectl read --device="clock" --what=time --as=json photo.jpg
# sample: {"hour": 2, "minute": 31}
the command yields {"hour": 8, "minute": 59}
